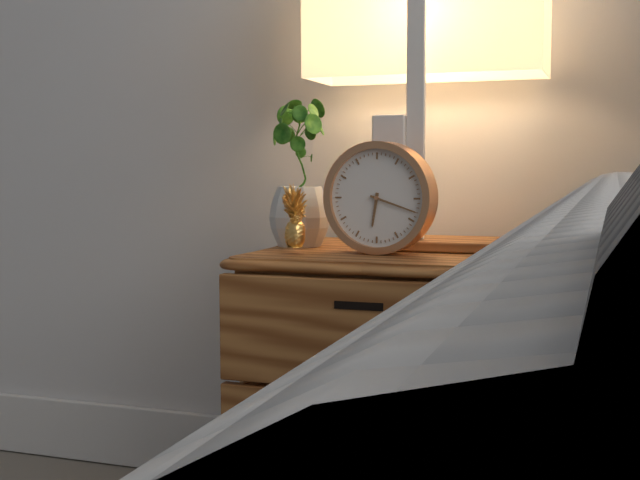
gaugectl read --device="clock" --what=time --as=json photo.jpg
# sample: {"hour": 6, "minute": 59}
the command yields {"hour": 6, "minute": 18}
